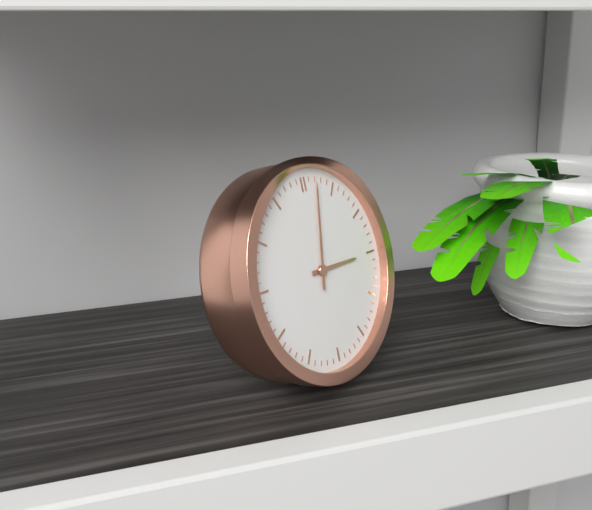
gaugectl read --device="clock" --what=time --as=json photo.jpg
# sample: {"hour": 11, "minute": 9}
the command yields {"hour": 3, "minute": 2}
